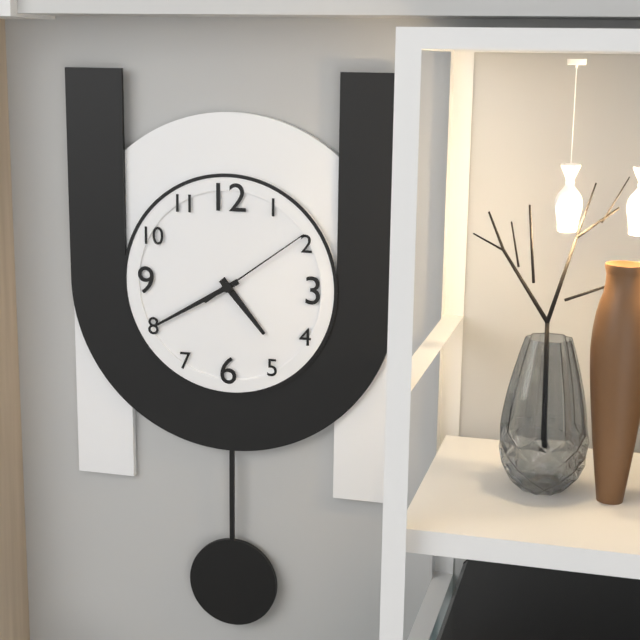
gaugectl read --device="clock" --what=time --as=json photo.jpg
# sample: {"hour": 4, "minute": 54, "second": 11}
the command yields {"hour": 4, "minute": 40, "second": 9}
